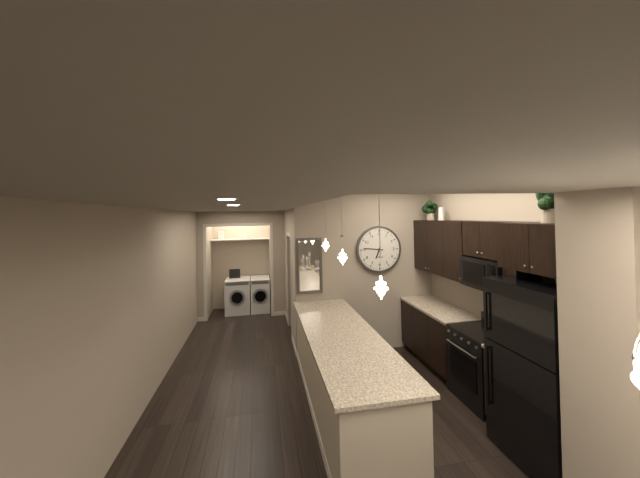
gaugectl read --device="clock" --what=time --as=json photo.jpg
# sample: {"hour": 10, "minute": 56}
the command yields {"hour": 6, "minute": 46}
